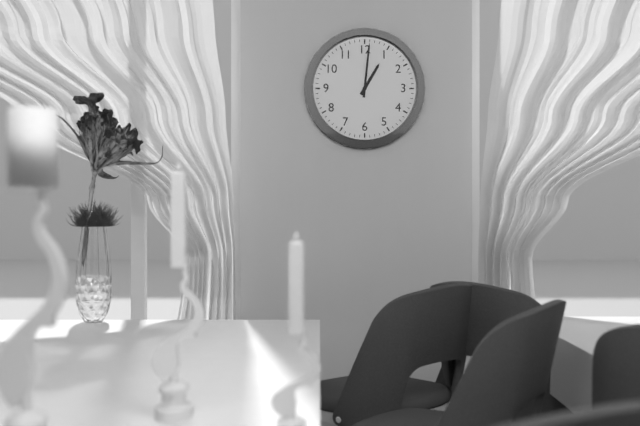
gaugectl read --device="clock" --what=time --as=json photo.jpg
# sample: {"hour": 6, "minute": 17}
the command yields {"hour": 1, "minute": 1}
